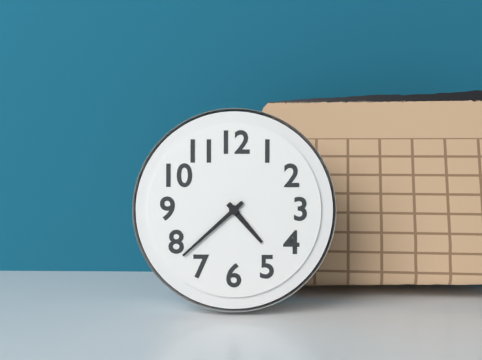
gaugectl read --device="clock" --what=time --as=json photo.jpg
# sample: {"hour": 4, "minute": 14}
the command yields {"hour": 4, "minute": 38}
